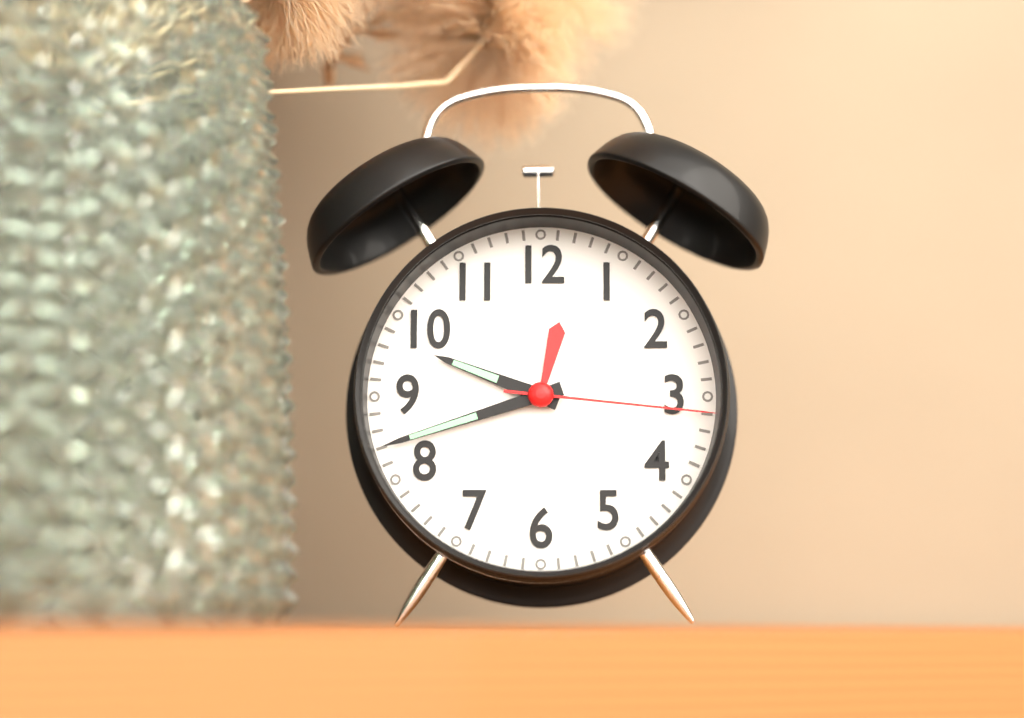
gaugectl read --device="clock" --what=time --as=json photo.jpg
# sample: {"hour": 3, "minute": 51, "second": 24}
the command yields {"hour": 9, "minute": 42, "second": 16}
